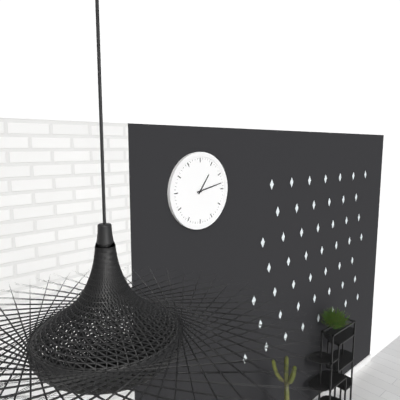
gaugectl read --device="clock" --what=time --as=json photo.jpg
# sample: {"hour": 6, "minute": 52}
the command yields {"hour": 1, "minute": 13}
